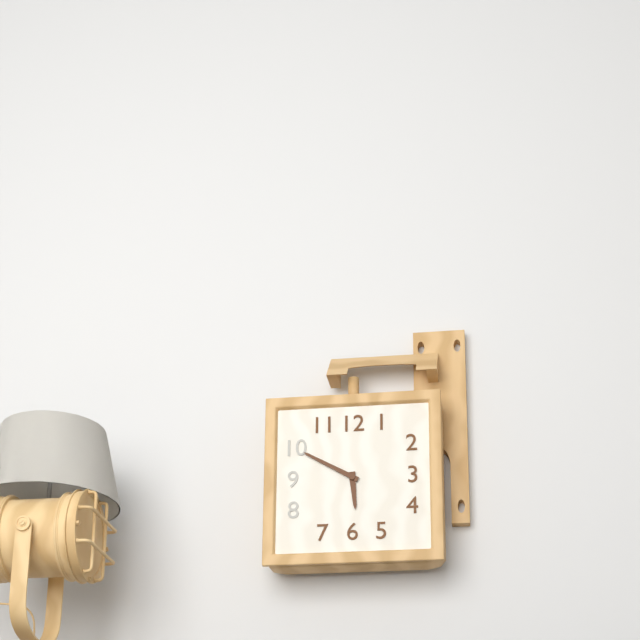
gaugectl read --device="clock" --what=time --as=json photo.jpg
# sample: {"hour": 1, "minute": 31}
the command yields {"hour": 5, "minute": 50}
